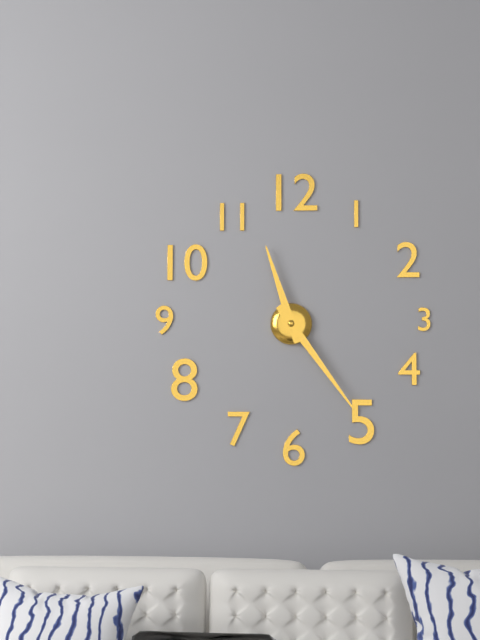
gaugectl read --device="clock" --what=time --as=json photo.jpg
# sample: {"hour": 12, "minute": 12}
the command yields {"hour": 11, "minute": 24}
